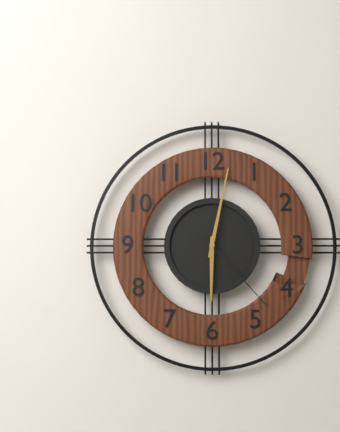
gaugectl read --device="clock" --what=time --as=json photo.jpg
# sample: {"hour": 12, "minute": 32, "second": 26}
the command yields {"hour": 6, "minute": 2, "second": 23}
